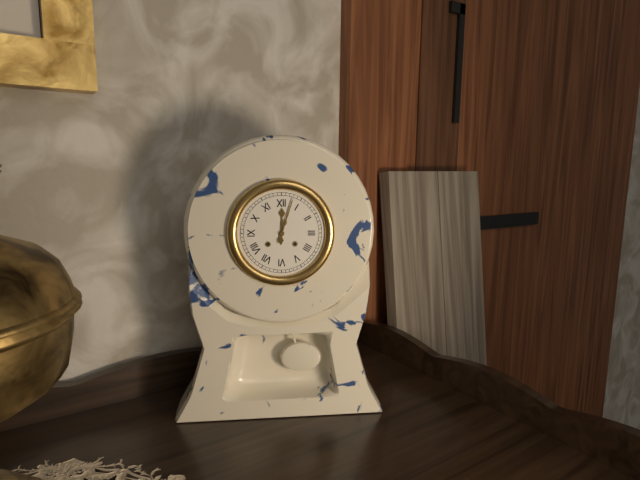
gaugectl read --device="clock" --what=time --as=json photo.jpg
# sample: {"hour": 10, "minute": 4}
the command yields {"hour": 12, "minute": 3}
